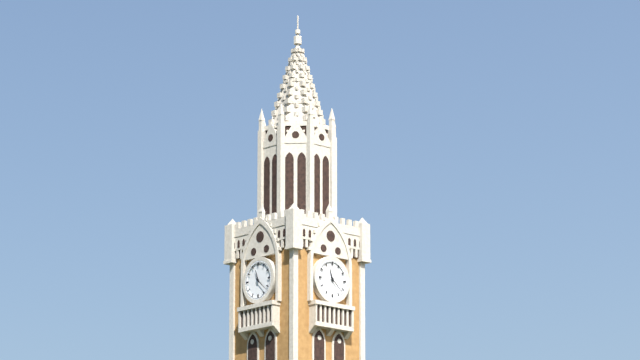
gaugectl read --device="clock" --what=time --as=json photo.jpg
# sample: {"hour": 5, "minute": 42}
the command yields {"hour": 11, "minute": 22}
